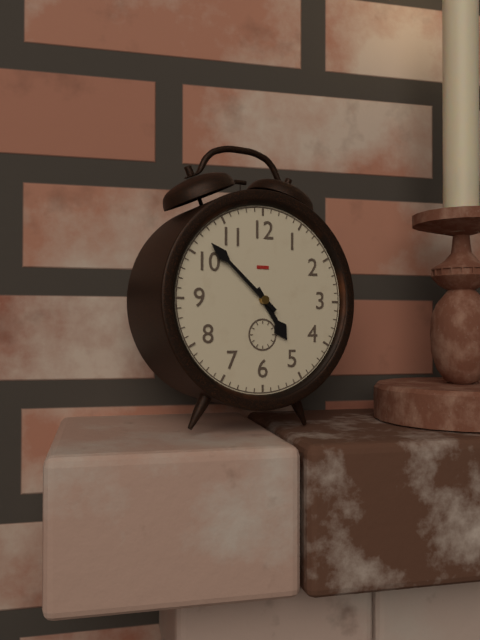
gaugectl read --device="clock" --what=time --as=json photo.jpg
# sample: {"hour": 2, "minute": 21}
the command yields {"hour": 4, "minute": 52}
